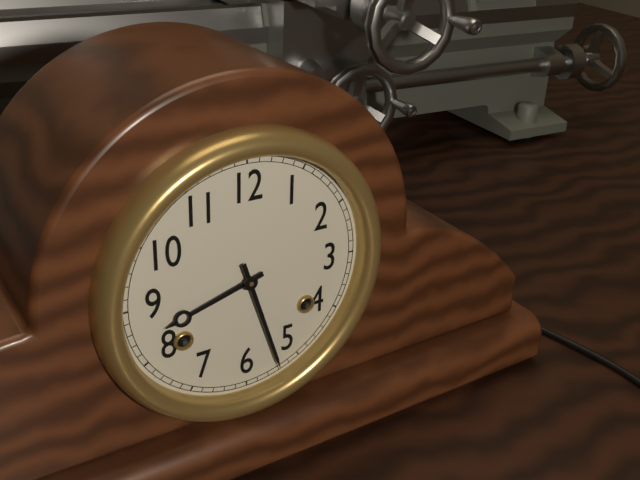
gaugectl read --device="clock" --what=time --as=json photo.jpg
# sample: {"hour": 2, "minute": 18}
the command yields {"hour": 8, "minute": 27}
